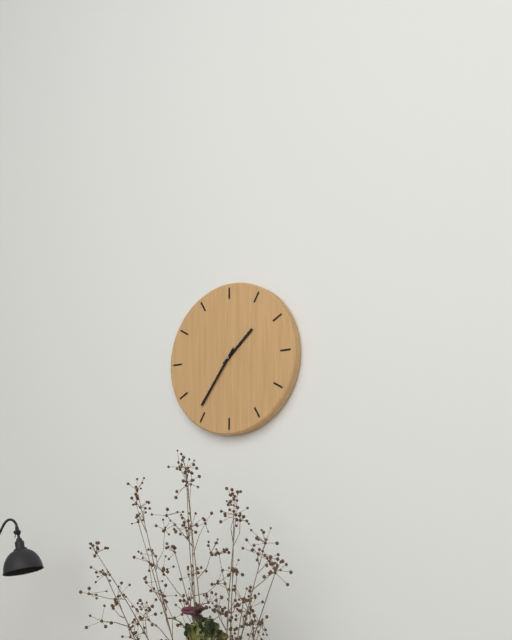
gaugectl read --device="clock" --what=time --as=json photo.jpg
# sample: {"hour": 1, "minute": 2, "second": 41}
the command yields {"hour": 1, "minute": 36, "second": 36}
